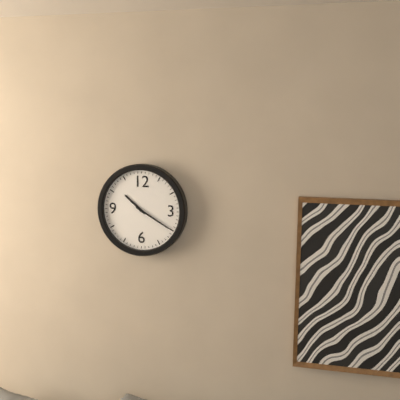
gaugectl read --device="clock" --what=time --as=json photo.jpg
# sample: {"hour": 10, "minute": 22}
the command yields {"hour": 10, "minute": 20}
